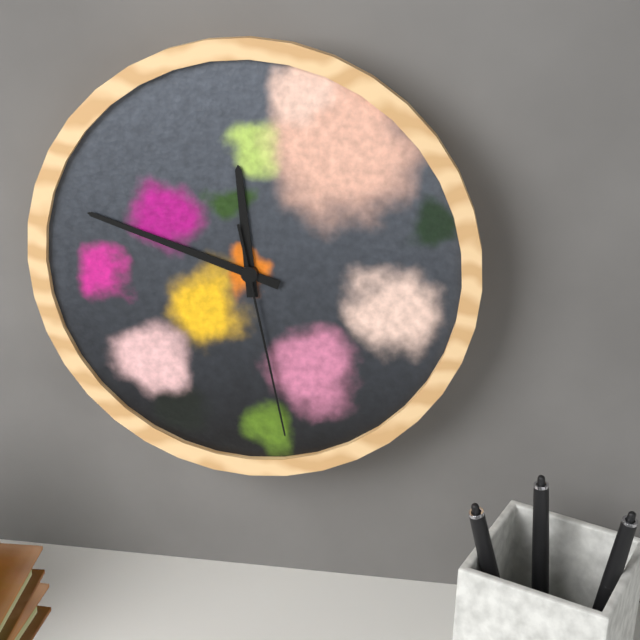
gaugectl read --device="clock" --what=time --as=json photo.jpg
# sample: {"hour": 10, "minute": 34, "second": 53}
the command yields {"hour": 11, "minute": 48, "second": 28}
